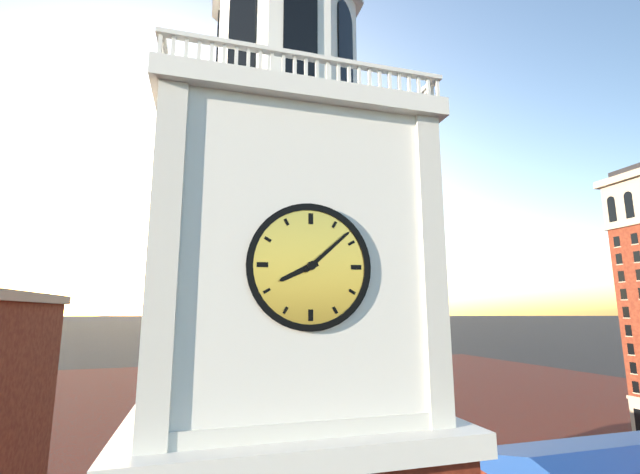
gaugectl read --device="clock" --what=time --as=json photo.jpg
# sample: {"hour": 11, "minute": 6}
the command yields {"hour": 8, "minute": 8}
